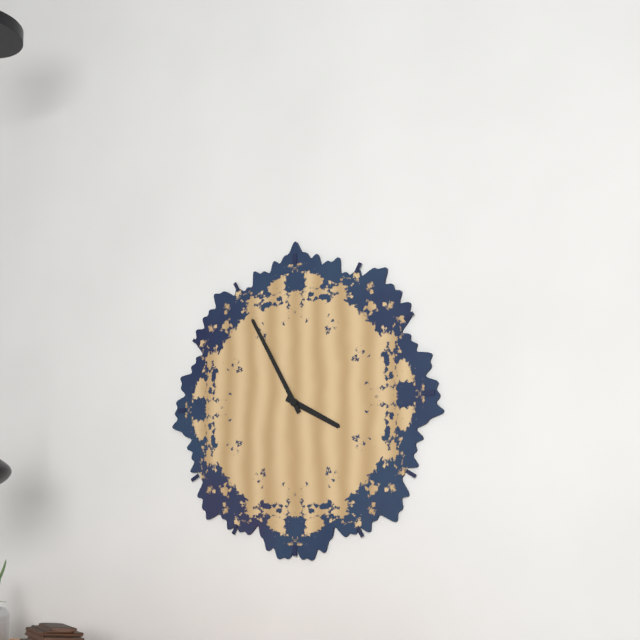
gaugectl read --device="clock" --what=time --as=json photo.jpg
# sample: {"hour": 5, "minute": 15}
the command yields {"hour": 3, "minute": 55}
